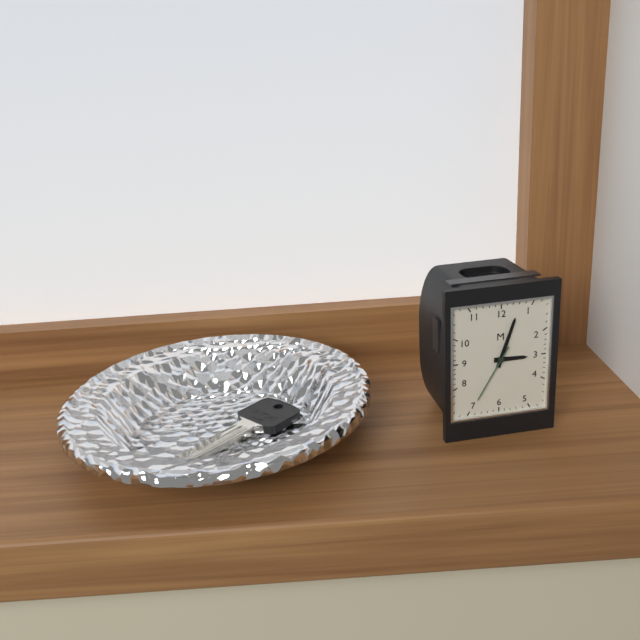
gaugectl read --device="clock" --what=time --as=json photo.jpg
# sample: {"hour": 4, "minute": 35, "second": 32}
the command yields {"hour": 3, "minute": 3, "second": 35}
